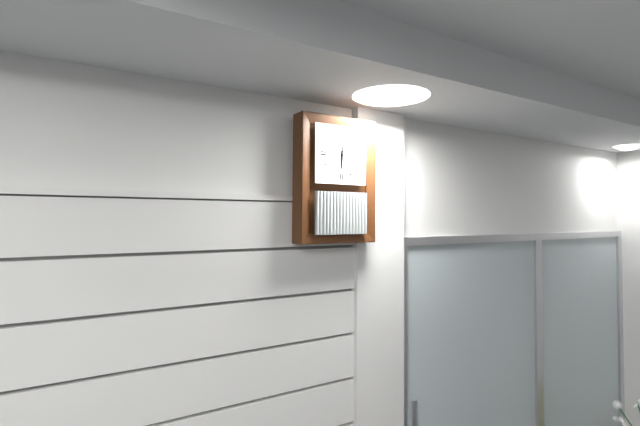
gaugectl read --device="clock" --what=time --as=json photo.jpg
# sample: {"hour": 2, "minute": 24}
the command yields {"hour": 6, "minute": 1}
